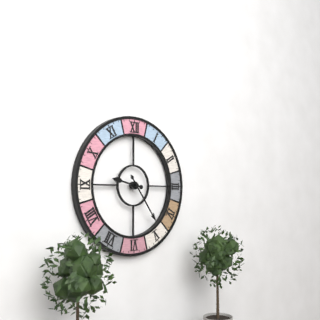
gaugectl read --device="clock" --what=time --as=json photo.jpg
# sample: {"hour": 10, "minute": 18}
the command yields {"hour": 9, "minute": 24}
